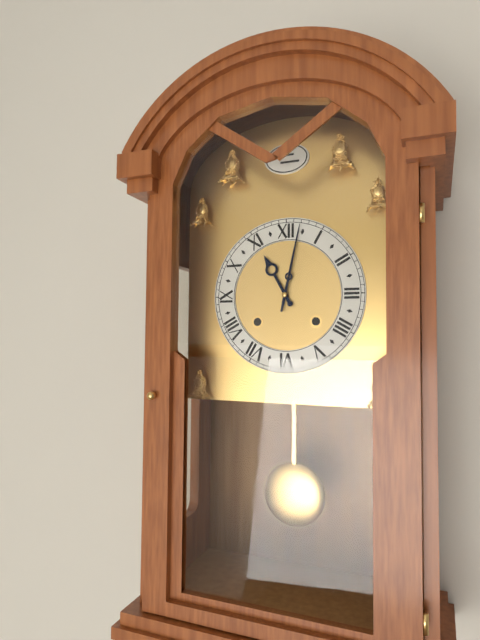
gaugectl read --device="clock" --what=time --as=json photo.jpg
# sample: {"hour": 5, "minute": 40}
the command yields {"hour": 11, "minute": 2}
